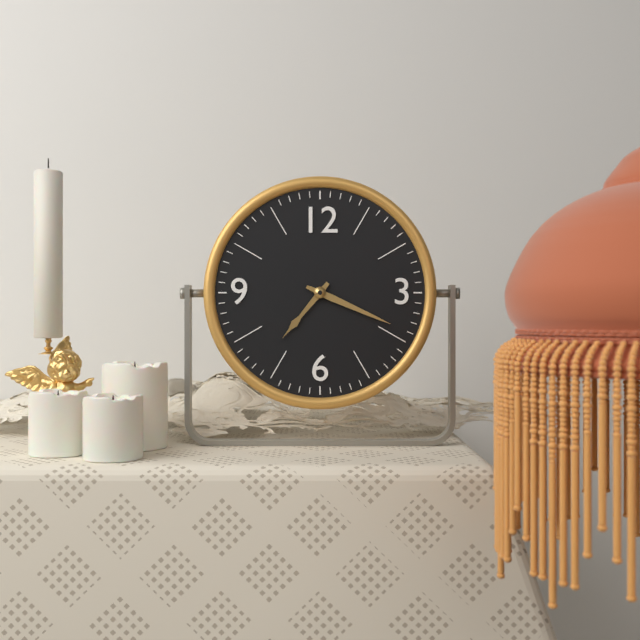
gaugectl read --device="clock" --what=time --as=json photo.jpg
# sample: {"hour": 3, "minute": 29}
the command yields {"hour": 7, "minute": 19}
